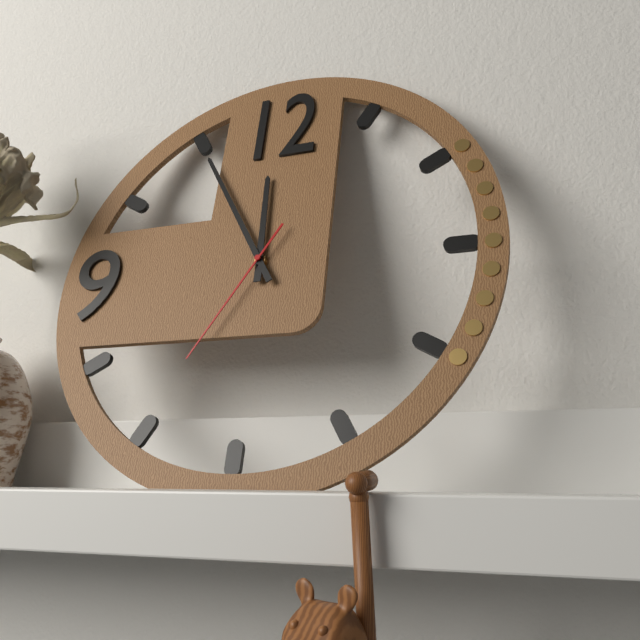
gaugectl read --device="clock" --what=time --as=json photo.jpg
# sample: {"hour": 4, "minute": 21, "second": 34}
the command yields {"hour": 11, "minute": 55, "second": 35}
